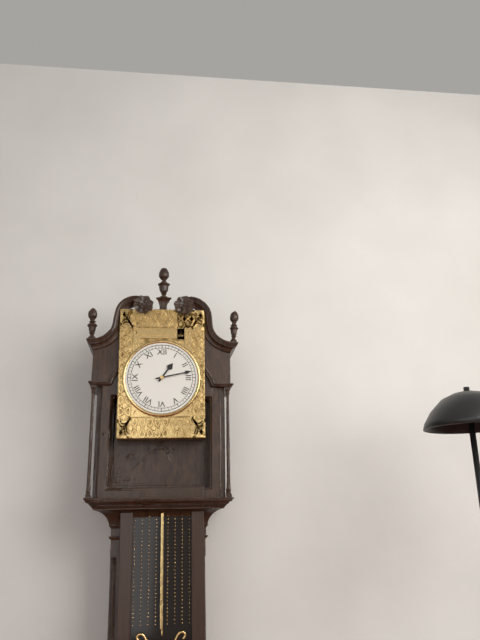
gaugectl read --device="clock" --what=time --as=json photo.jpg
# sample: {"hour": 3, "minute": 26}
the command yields {"hour": 1, "minute": 13}
